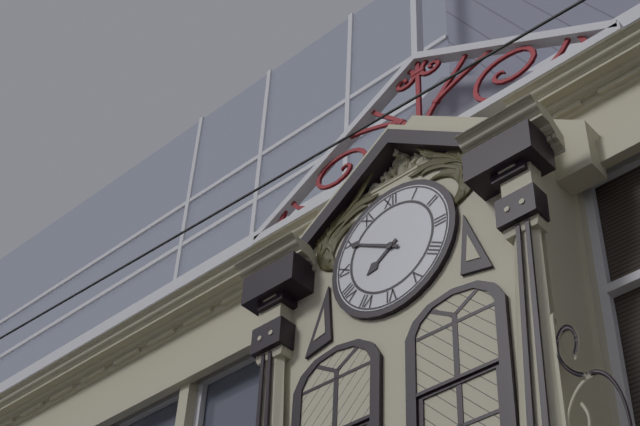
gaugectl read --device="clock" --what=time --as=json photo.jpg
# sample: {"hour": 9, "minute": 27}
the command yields {"hour": 7, "minute": 50}
